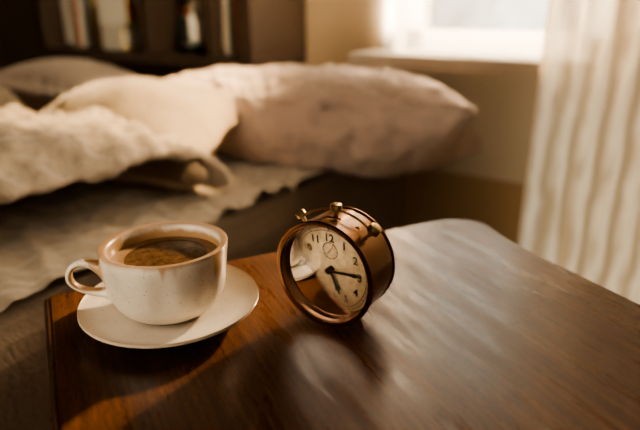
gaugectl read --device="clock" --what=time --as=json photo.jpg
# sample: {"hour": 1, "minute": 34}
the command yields {"hour": 5, "minute": 14}
